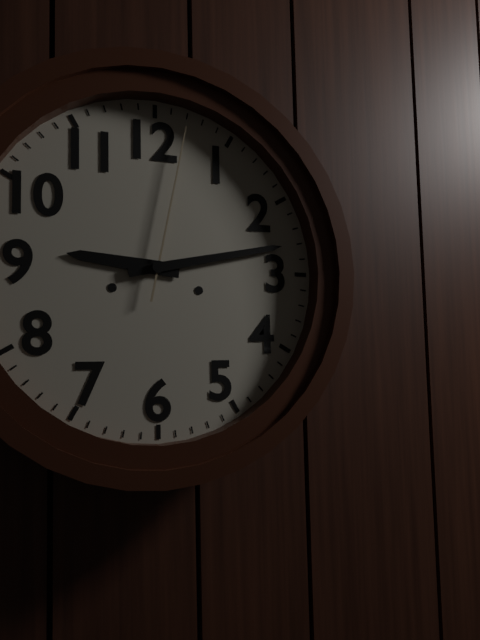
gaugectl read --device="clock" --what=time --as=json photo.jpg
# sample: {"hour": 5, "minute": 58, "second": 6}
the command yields {"hour": 9, "minute": 13, "second": 2}
